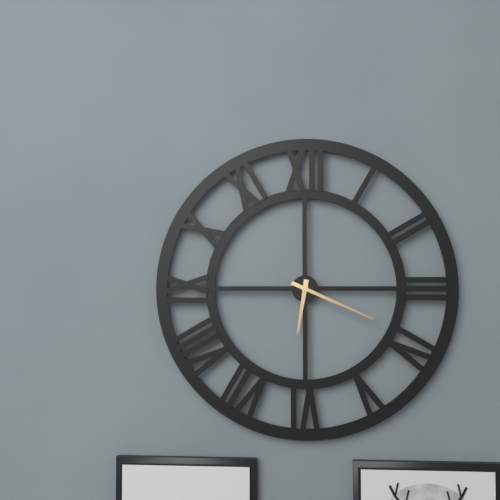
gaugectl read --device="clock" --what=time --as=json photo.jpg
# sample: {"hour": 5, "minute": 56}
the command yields {"hour": 6, "minute": 19}
